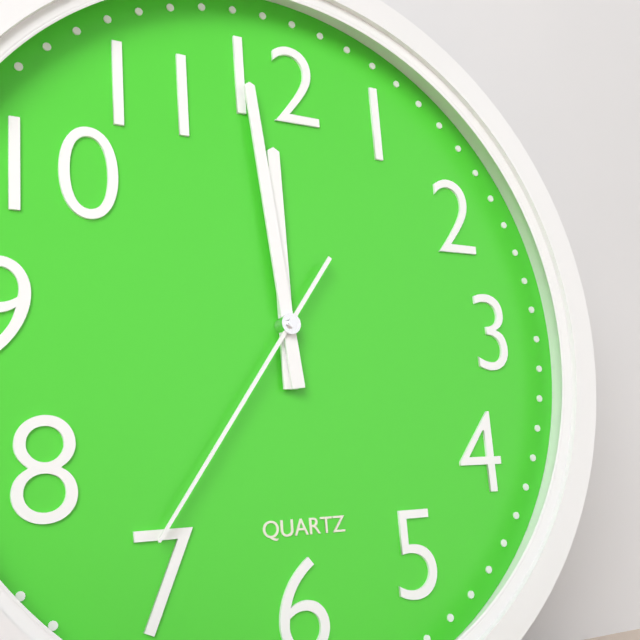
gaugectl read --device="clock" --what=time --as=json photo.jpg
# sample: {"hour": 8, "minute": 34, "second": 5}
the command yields {"hour": 11, "minute": 59, "second": 36}
